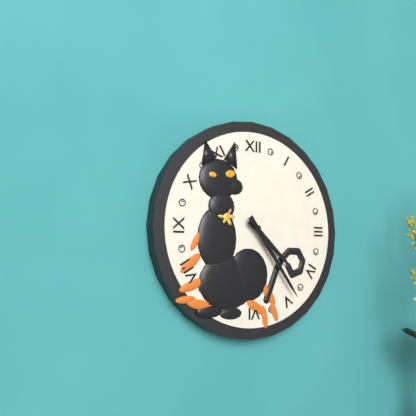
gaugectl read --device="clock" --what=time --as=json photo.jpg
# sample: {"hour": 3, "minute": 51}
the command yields {"hour": 4, "minute": 24}
